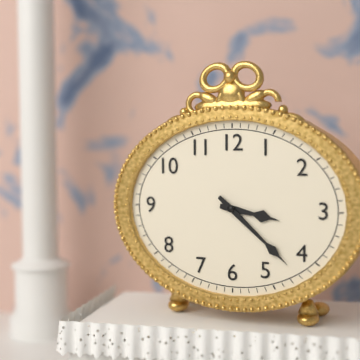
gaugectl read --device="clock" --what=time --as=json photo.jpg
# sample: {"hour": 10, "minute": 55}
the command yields {"hour": 3, "minute": 22}
